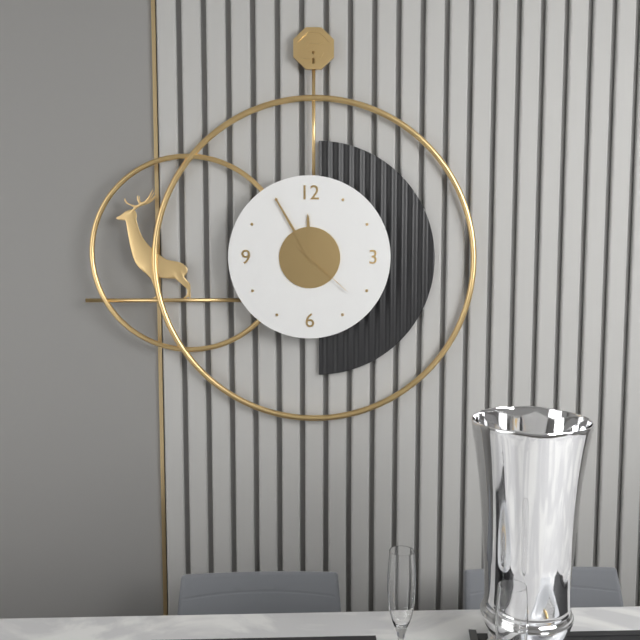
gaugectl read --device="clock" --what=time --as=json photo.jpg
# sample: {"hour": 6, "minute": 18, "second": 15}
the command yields {"hour": 11, "minute": 55, "second": 22}
